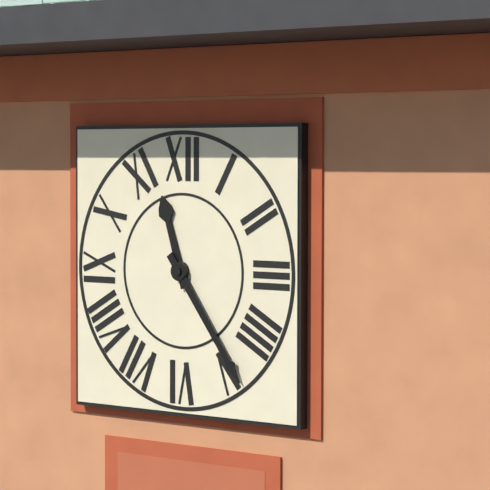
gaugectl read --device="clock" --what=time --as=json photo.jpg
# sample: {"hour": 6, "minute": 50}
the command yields {"hour": 11, "minute": 24}
